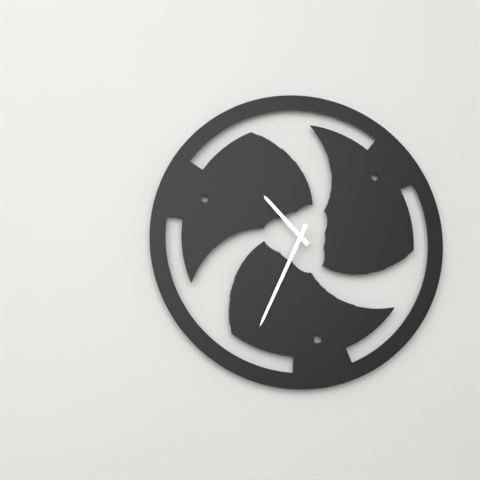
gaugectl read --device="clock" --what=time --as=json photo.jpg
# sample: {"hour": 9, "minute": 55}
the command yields {"hour": 10, "minute": 34}
